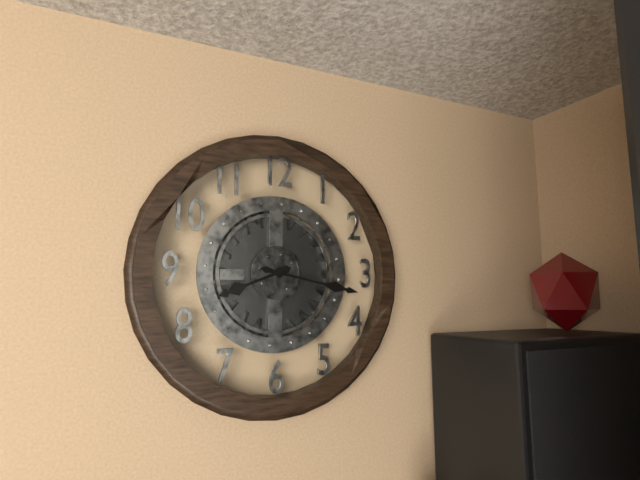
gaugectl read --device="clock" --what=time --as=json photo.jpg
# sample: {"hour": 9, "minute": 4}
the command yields {"hour": 8, "minute": 17}
